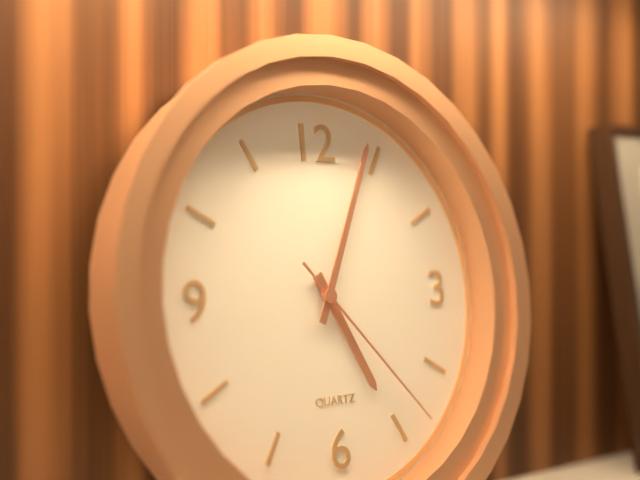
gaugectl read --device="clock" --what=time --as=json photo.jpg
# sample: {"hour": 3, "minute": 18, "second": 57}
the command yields {"hour": 5, "minute": 4, "second": 23}
